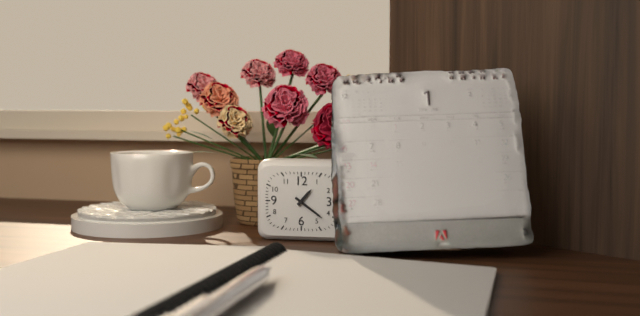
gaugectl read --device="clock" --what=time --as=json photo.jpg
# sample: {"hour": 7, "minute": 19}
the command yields {"hour": 1, "minute": 21}
